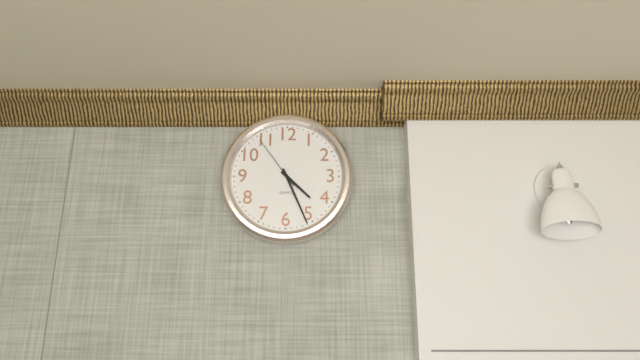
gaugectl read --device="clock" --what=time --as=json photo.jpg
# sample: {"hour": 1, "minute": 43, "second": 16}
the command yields {"hour": 4, "minute": 26, "second": 54}
